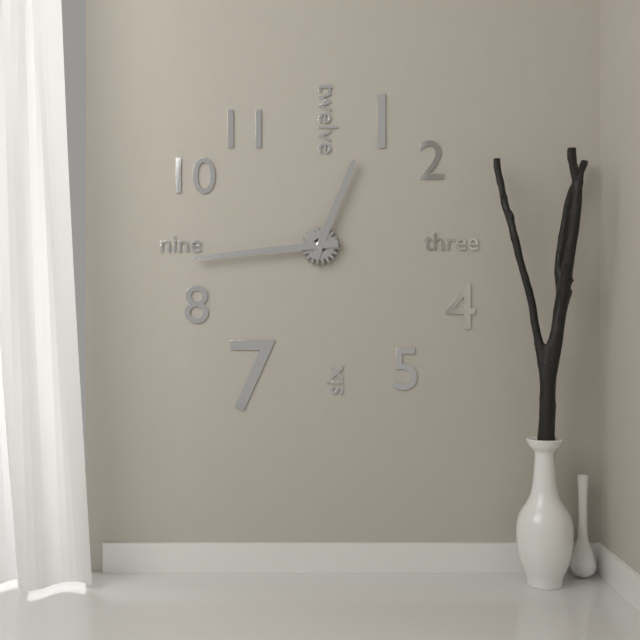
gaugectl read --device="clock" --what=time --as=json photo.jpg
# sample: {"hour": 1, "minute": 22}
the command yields {"hour": 12, "minute": 44}
